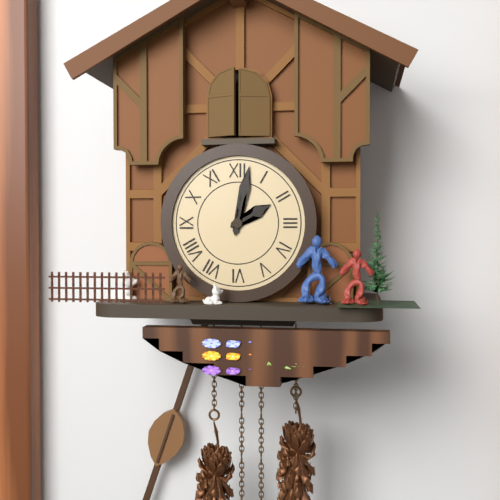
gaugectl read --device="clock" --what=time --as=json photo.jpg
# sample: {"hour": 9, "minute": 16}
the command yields {"hour": 2, "minute": 2}
